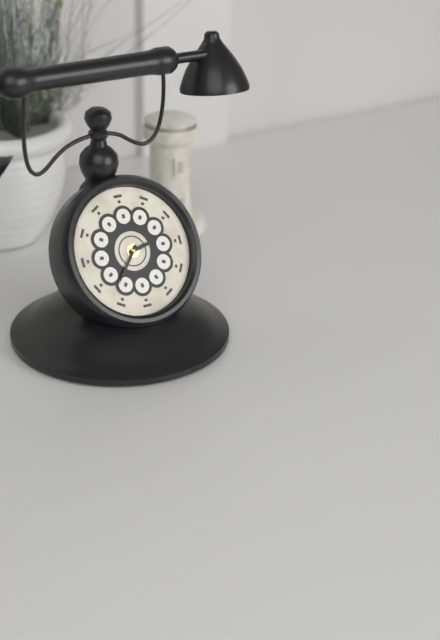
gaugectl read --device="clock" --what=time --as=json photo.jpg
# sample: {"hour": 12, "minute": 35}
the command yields {"hour": 2, "minute": 37}
